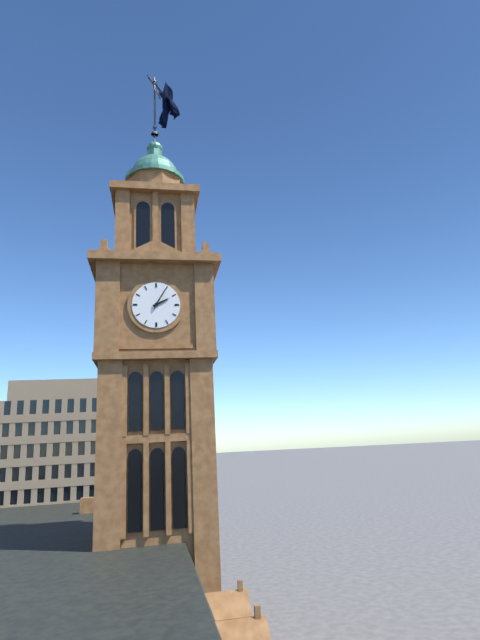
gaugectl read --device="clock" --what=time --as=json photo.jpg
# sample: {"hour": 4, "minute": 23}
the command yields {"hour": 2, "minute": 5}
